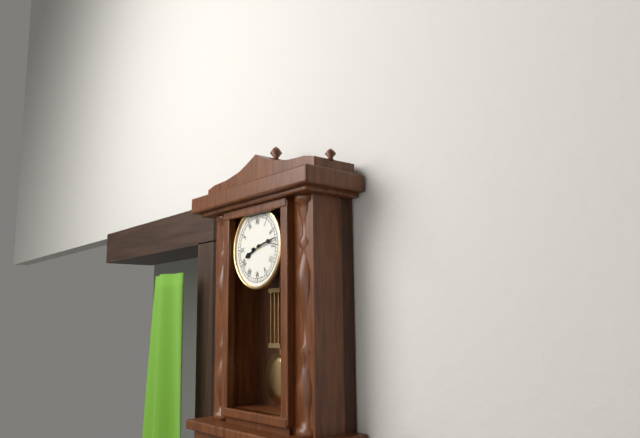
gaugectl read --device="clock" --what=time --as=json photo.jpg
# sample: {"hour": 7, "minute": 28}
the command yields {"hour": 8, "minute": 13}
